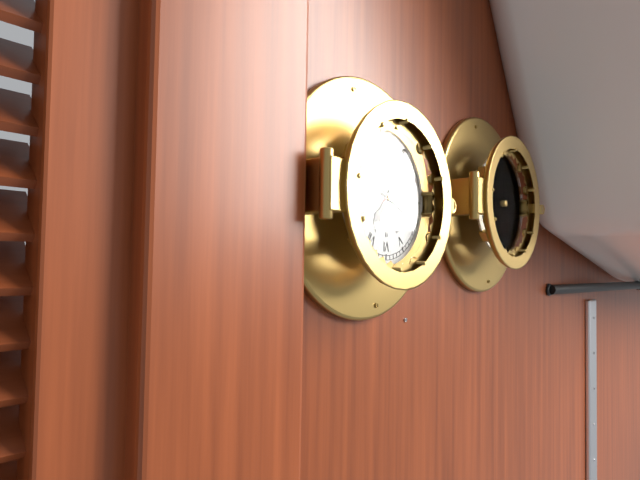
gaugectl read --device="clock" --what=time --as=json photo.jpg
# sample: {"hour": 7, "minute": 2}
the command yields {"hour": 7, "minute": 19}
